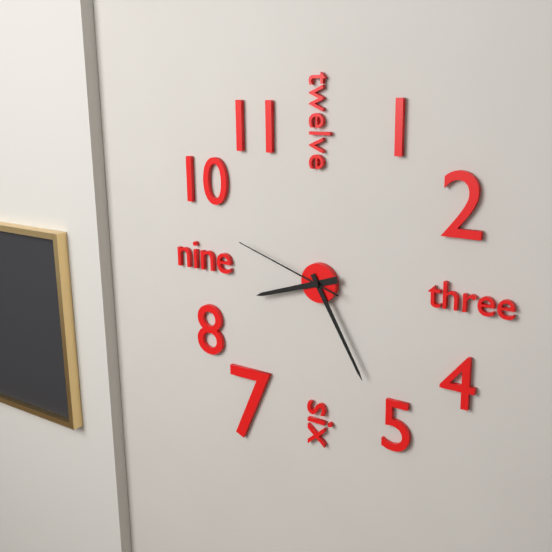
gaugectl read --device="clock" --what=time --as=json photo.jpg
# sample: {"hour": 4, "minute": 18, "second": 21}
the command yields {"hour": 8, "minute": 25, "second": 48}
